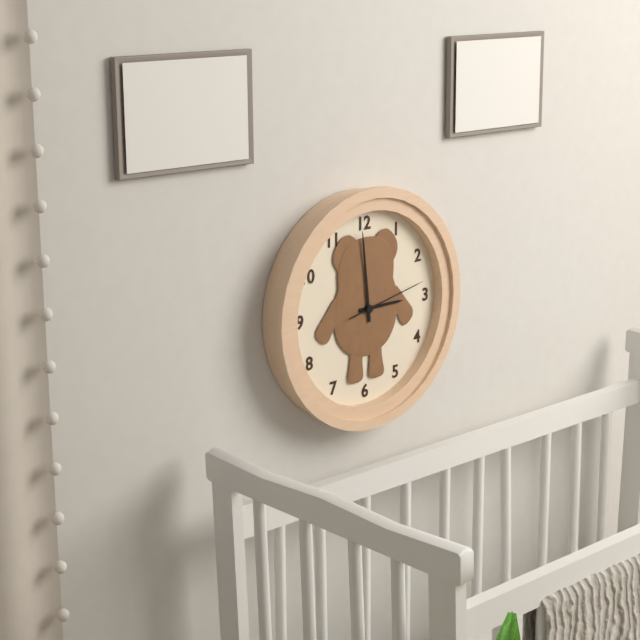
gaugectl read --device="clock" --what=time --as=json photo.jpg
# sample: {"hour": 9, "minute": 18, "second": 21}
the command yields {"hour": 2, "minute": 59, "second": 13}
